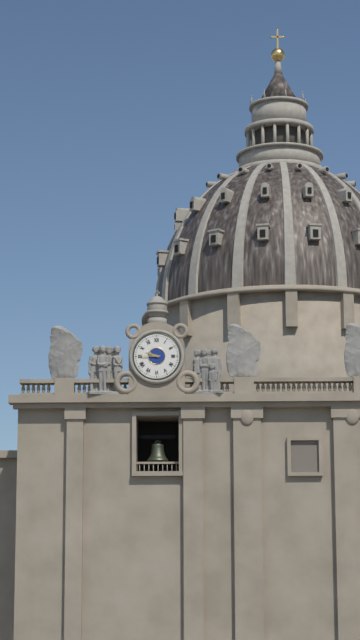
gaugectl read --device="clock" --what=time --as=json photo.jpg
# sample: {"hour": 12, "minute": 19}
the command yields {"hour": 9, "minute": 45}
